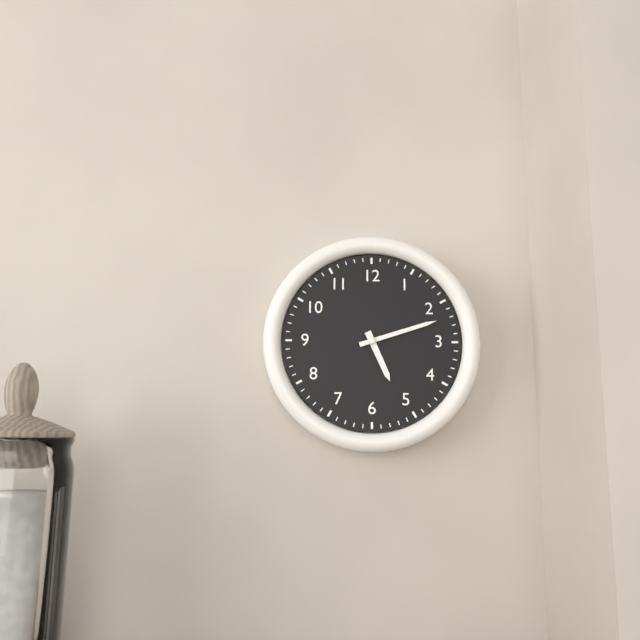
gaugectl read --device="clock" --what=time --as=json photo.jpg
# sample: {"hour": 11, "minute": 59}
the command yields {"hour": 5, "minute": 12}
